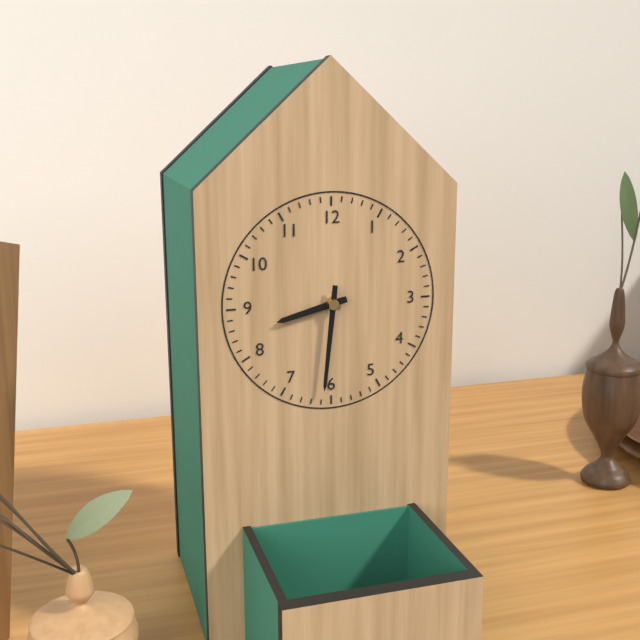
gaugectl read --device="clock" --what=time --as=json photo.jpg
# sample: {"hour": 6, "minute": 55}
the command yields {"hour": 8, "minute": 31}
